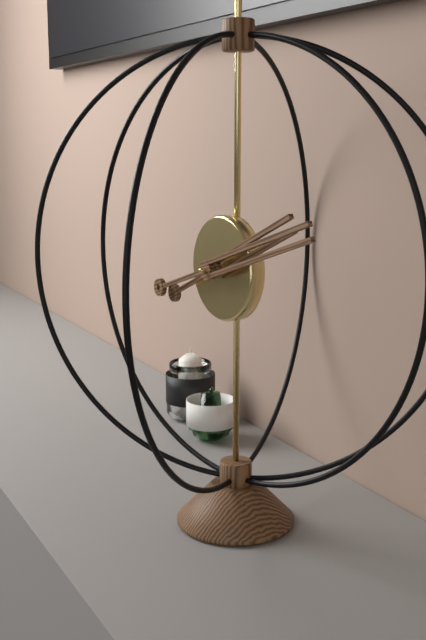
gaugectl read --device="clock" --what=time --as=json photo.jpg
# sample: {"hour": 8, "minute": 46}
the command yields {"hour": 2, "minute": 12}
